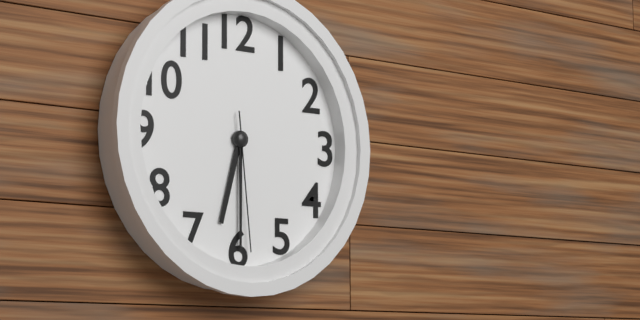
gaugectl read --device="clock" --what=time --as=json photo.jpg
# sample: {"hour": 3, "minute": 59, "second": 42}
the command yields {"hour": 6, "minute": 30, "second": 29}
